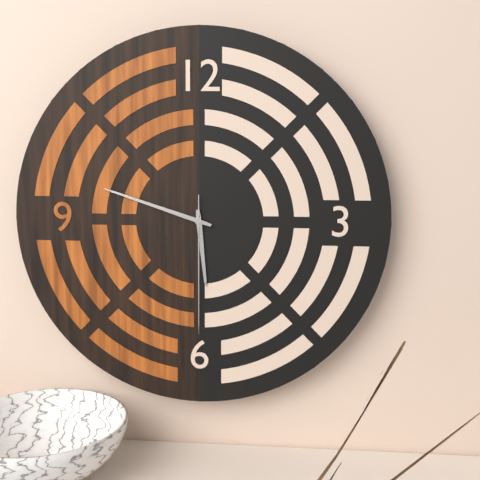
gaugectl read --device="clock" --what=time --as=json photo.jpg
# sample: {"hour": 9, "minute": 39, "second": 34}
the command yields {"hour": 5, "minute": 48, "second": 30}
